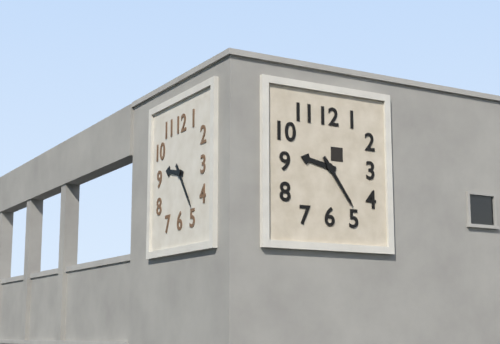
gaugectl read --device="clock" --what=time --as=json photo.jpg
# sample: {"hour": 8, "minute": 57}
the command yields {"hour": 9, "minute": 24}
